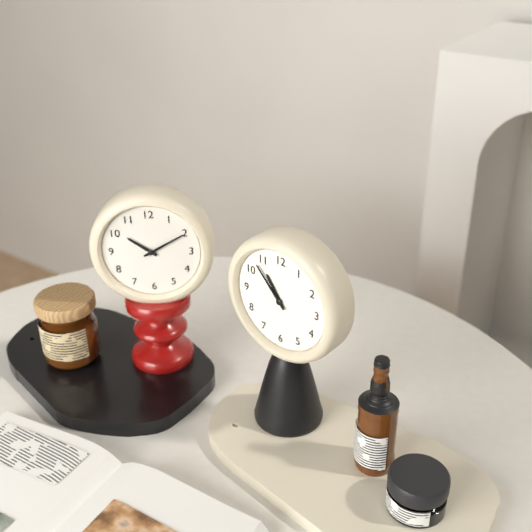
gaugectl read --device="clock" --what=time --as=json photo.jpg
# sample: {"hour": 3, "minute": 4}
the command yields {"hour": 10, "minute": 53}
